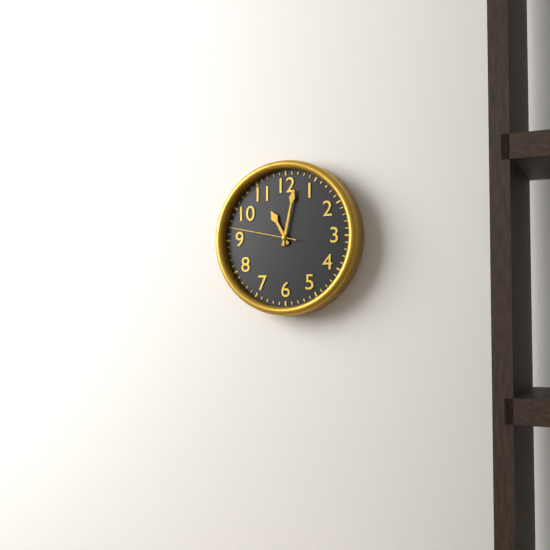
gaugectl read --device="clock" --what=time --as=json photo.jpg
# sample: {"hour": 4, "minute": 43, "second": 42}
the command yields {"hour": 11, "minute": 2, "second": 47}
